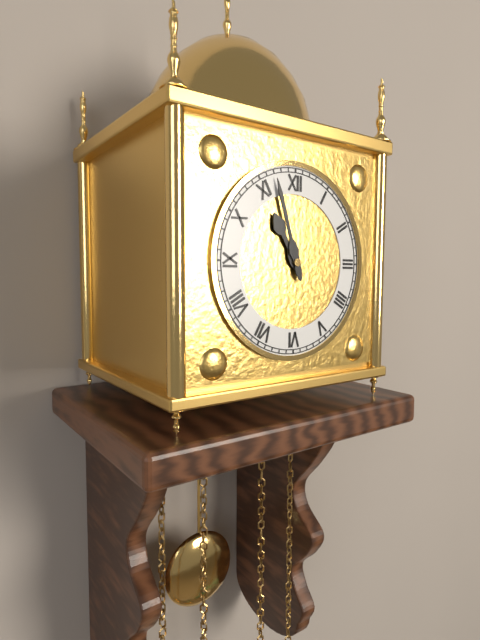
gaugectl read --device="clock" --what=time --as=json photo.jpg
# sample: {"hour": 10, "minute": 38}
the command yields {"hour": 10, "minute": 57}
